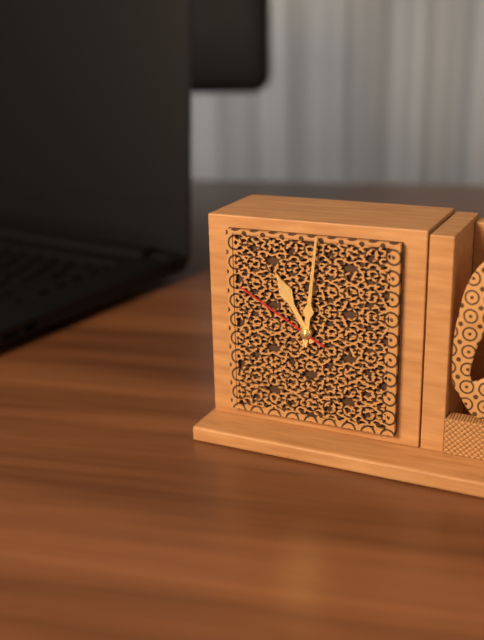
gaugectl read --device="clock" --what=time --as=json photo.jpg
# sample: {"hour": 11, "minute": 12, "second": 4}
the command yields {"hour": 11, "minute": 1, "second": 50}
